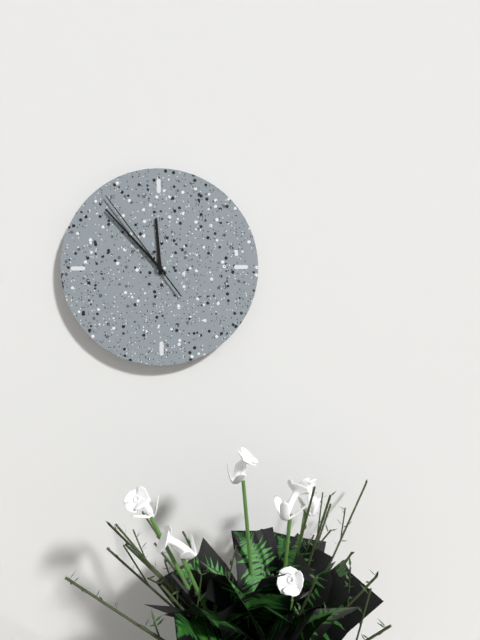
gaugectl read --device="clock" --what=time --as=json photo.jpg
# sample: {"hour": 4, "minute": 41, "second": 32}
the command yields {"hour": 11, "minute": 53, "second": 54}
